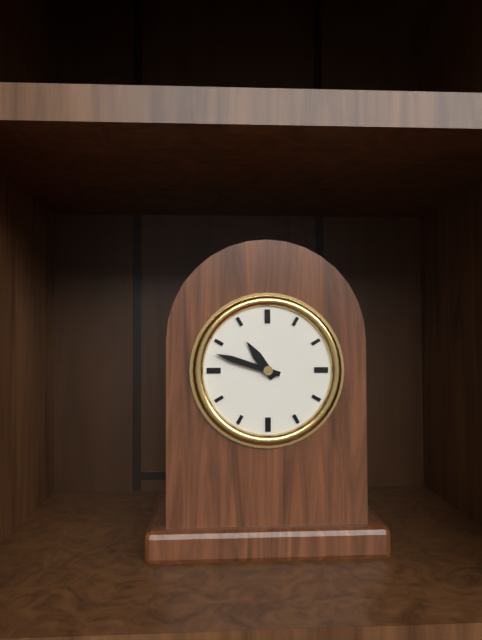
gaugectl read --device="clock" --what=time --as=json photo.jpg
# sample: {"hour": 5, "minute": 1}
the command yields {"hour": 10, "minute": 48}
